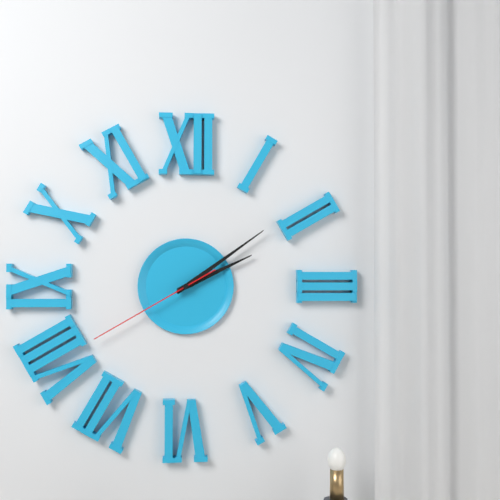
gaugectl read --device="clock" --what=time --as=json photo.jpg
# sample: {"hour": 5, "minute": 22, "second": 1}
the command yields {"hour": 2, "minute": 9, "second": 40}
